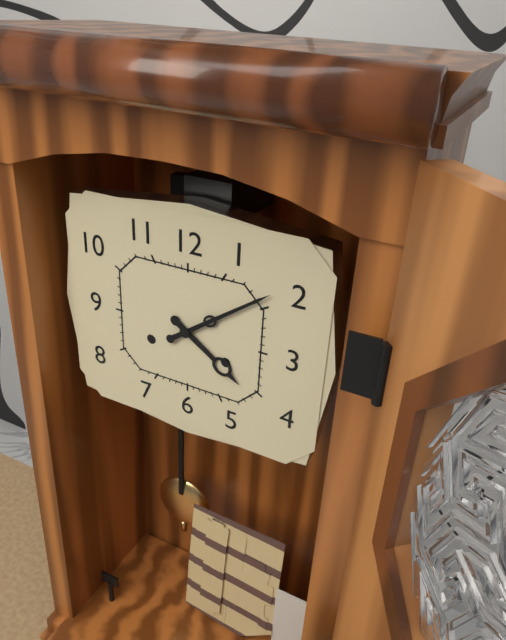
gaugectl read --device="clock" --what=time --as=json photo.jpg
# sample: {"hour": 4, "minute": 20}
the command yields {"hour": 4, "minute": 9}
